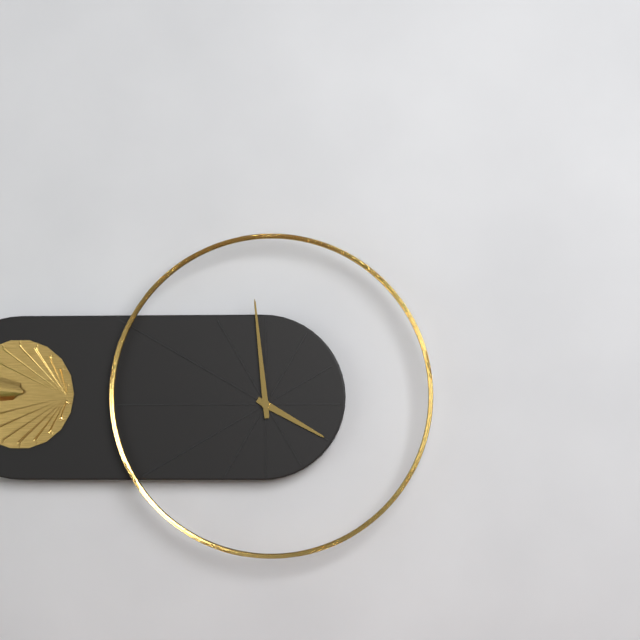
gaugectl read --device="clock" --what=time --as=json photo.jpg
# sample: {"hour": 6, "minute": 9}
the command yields {"hour": 3, "minute": 59}
